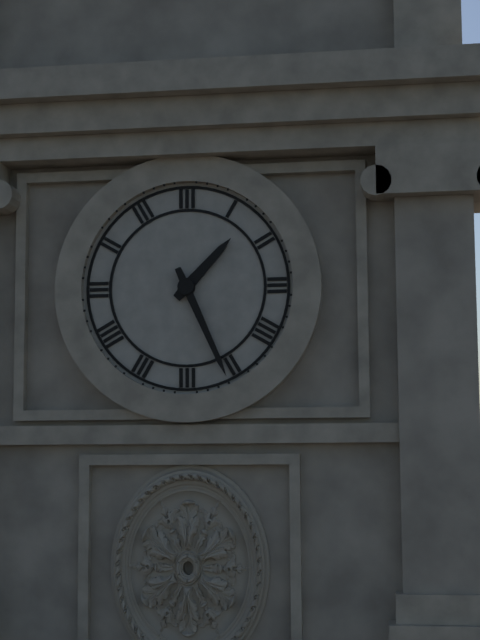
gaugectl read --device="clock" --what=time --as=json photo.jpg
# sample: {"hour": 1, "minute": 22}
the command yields {"hour": 1, "minute": 26}
